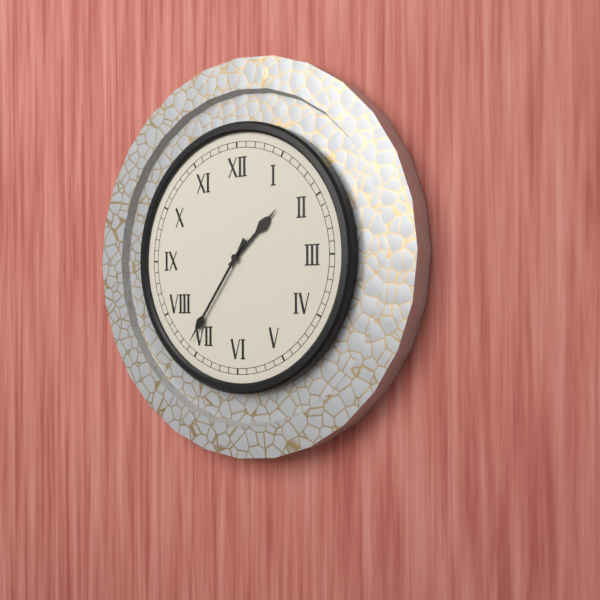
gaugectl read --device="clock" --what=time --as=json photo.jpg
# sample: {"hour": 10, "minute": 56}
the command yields {"hour": 1, "minute": 36}
